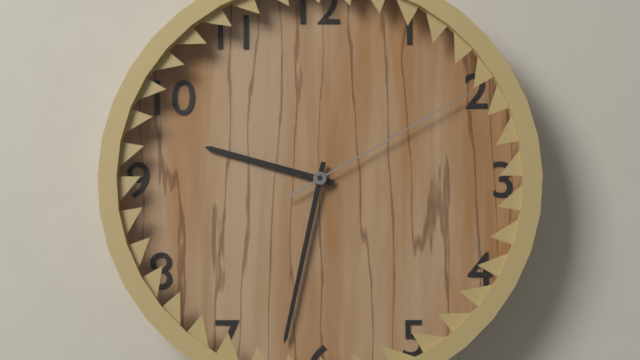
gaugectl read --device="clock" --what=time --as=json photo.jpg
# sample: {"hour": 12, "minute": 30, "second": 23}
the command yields {"hour": 9, "minute": 32, "second": 10}
